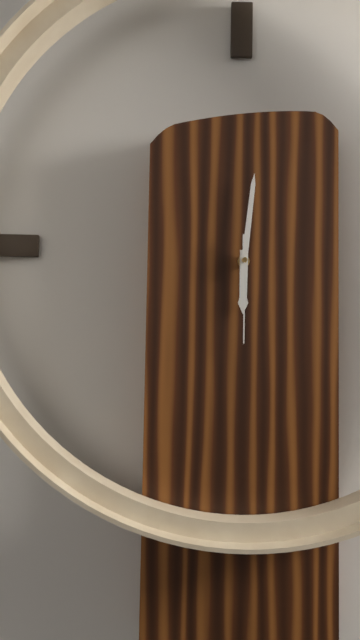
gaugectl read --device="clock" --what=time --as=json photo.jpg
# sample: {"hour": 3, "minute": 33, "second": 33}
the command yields {"hour": 6, "minute": 1, "second": 30}
